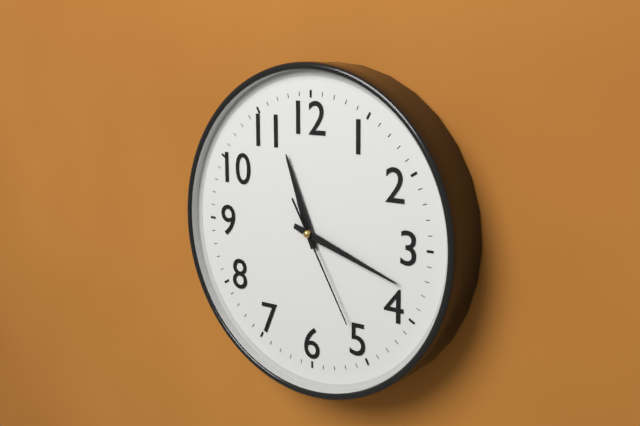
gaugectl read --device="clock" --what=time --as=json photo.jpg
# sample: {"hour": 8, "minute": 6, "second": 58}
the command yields {"hour": 11, "minute": 18, "second": 25}
